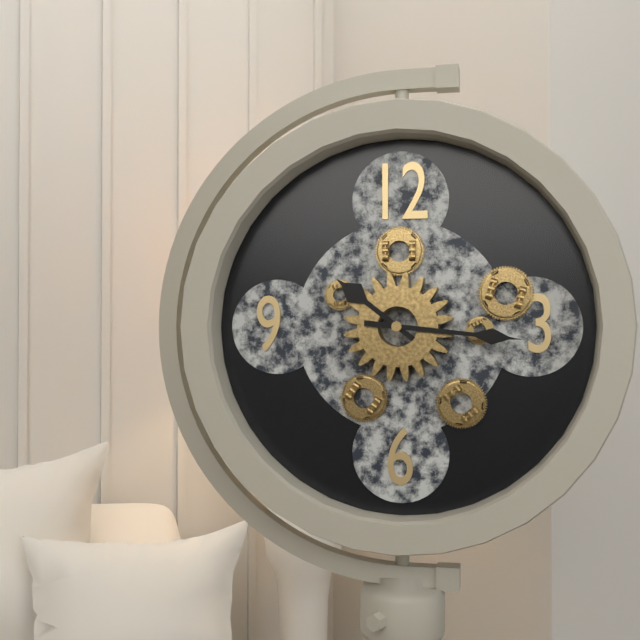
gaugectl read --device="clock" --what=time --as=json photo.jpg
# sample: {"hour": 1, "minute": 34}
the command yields {"hour": 10, "minute": 16}
